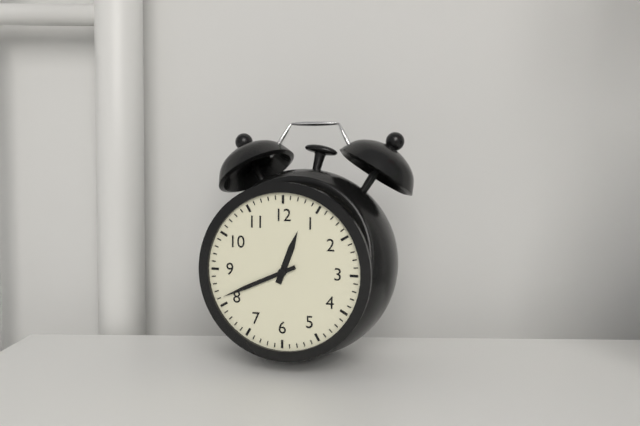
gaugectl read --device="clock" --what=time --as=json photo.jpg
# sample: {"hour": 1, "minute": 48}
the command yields {"hour": 12, "minute": 41}
